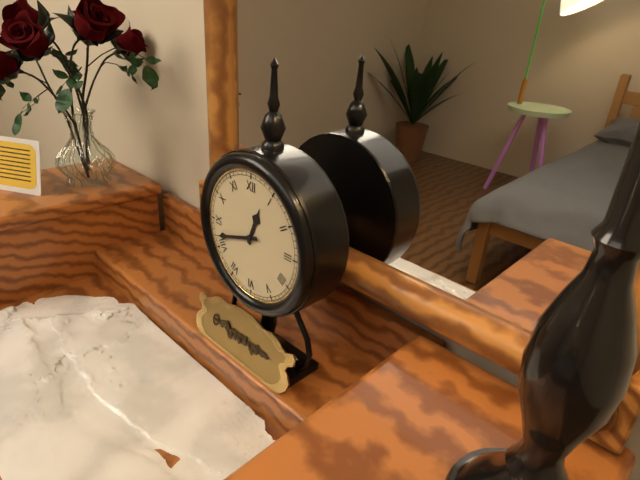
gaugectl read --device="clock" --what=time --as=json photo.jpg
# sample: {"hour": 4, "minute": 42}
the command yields {"hour": 12, "minute": 42}
